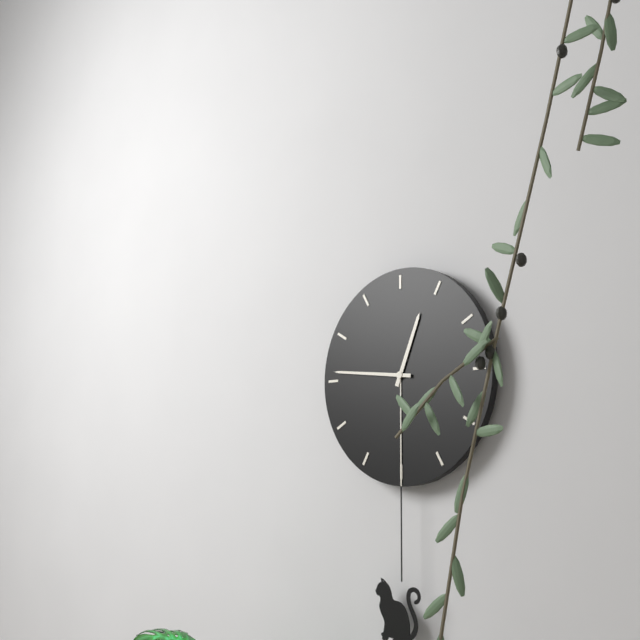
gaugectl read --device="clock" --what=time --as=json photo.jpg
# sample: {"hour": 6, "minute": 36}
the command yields {"hour": 12, "minute": 46}
